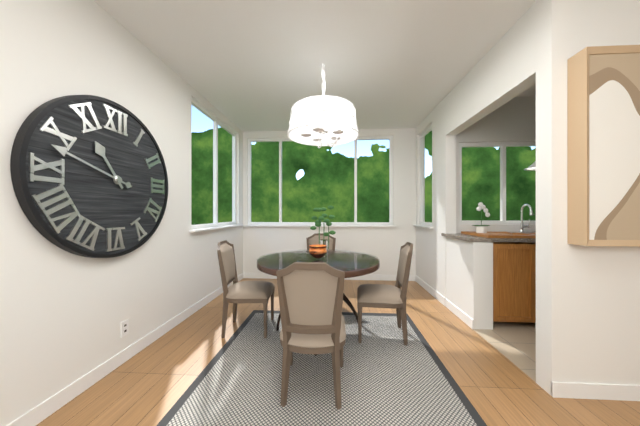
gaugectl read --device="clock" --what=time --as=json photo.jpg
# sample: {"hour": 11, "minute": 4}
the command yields {"hour": 10, "minute": 48}
